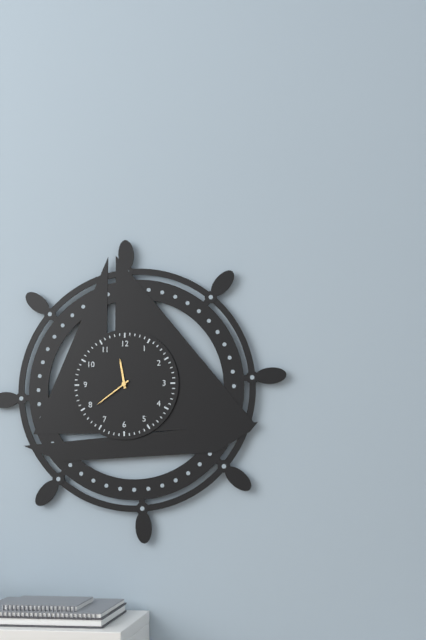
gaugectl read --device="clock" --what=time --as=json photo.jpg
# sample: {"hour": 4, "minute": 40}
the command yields {"hour": 11, "minute": 39}
